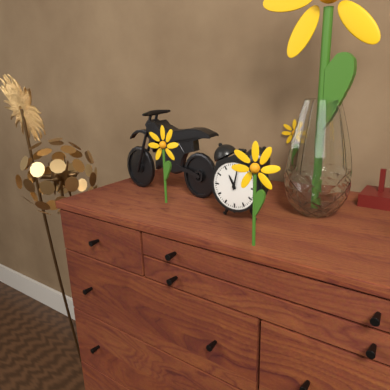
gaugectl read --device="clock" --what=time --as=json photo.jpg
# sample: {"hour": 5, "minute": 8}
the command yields {"hour": 11, "minute": 2}
